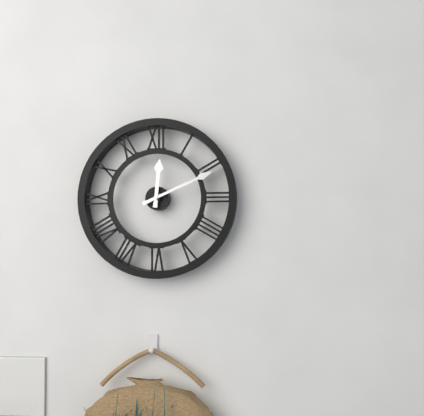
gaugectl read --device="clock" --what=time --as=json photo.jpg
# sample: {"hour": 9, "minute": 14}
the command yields {"hour": 12, "minute": 11}
